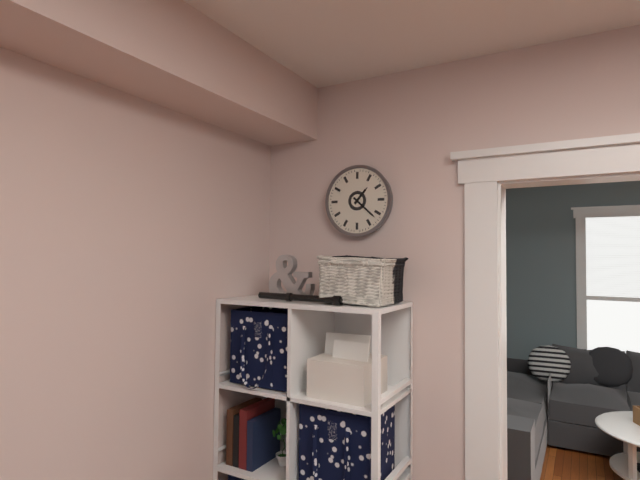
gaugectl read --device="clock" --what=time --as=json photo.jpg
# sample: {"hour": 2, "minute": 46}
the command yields {"hour": 1, "minute": 22}
